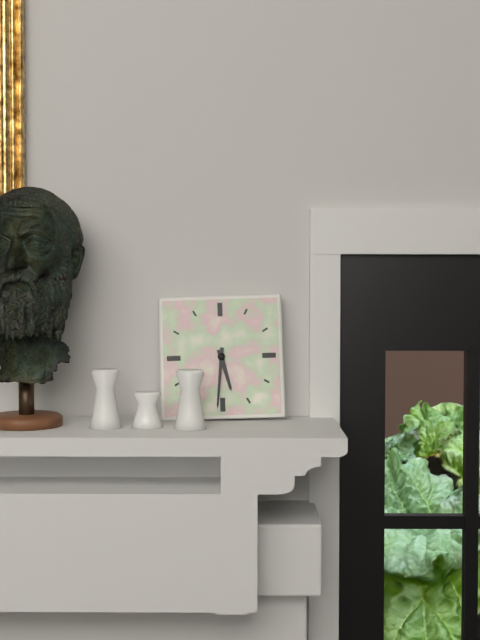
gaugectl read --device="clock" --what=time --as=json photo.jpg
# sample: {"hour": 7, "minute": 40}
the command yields {"hour": 5, "minute": 31}
